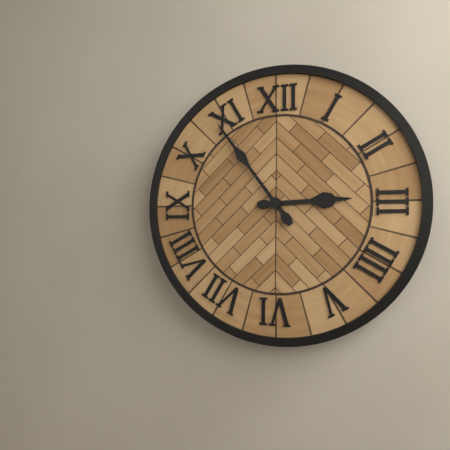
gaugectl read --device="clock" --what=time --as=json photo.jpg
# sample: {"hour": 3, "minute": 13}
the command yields {"hour": 2, "minute": 54}
